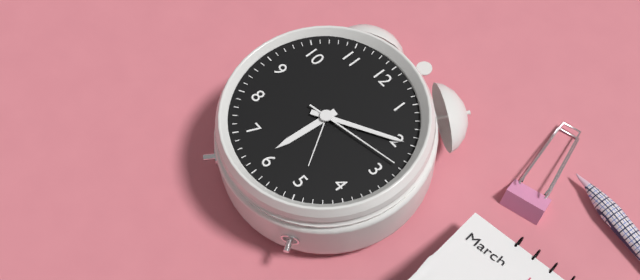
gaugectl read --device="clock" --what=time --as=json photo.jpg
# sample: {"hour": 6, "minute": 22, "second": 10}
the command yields {"hour": 6, "minute": 10, "second": 13}
